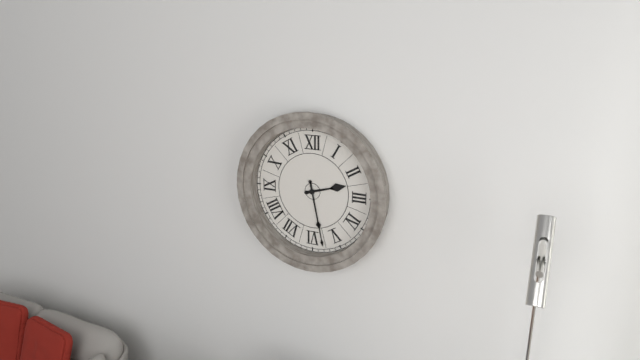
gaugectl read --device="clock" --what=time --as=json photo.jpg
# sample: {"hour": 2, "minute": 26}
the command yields {"hour": 2, "minute": 28}
